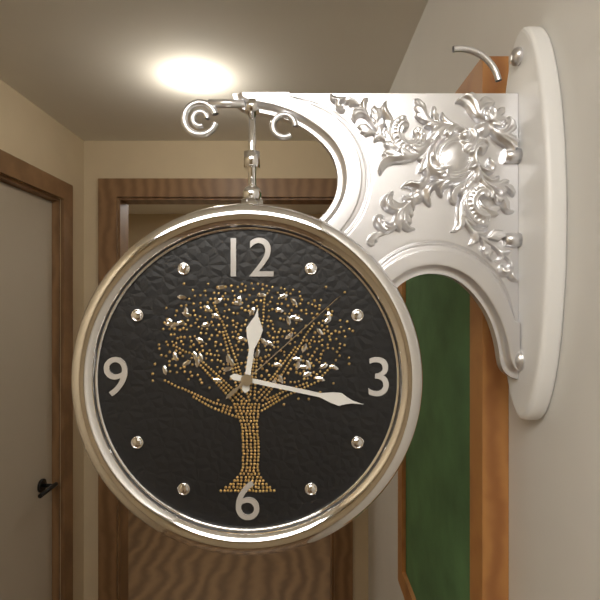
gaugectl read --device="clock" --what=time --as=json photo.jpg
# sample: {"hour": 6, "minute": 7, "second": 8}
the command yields {"hour": 12, "minute": 17, "second": 8}
